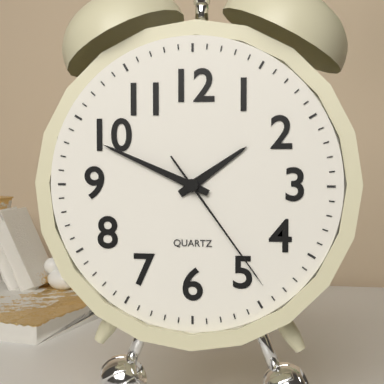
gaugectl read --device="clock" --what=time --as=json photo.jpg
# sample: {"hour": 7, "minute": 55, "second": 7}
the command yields {"hour": 1, "minute": 49, "second": 24}
